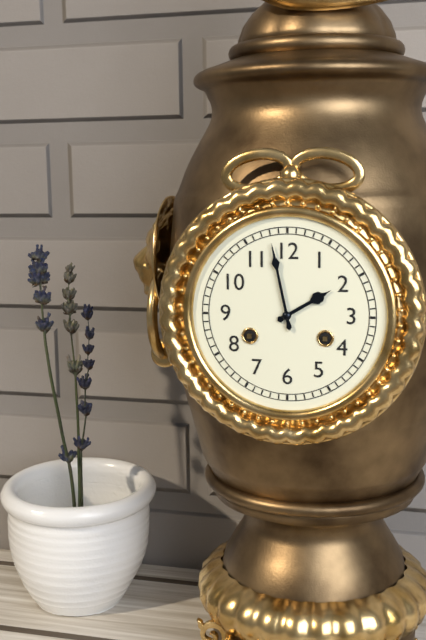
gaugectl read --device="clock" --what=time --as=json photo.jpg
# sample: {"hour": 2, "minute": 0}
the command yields {"hour": 1, "minute": 58}
